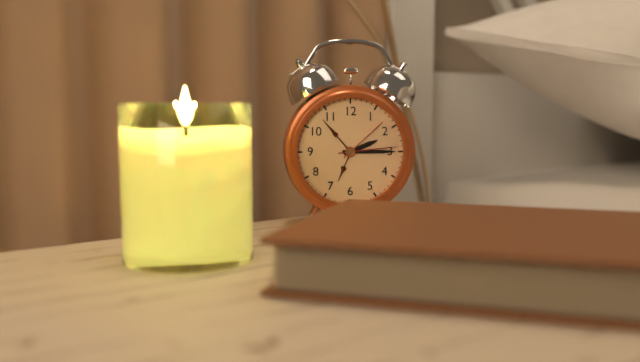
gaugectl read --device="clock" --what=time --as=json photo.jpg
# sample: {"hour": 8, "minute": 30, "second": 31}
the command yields {"hour": 2, "minute": 15, "second": 14}
